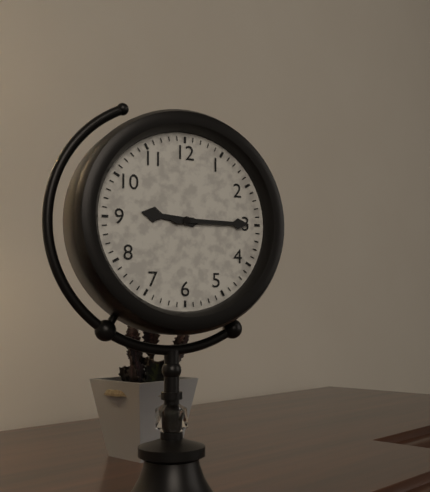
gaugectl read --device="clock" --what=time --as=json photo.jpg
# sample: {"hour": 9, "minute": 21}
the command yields {"hour": 9, "minute": 15}
